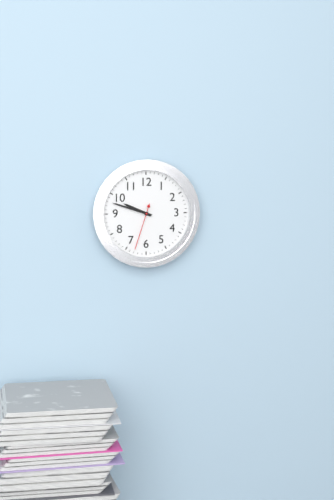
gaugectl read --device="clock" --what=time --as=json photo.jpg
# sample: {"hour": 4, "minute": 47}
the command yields {"hour": 9, "minute": 48}
